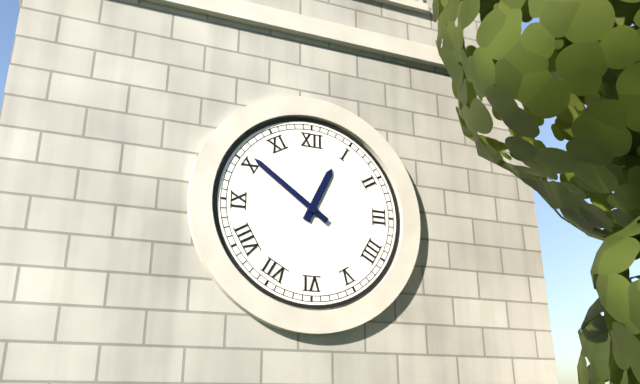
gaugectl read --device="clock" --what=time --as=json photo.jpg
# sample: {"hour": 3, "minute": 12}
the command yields {"hour": 12, "minute": 51}
